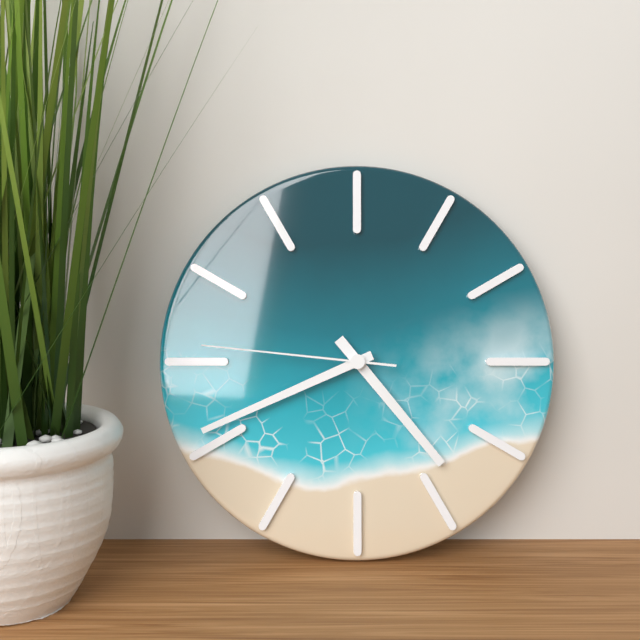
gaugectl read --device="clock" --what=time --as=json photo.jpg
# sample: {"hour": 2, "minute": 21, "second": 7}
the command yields {"hour": 4, "minute": 41, "second": 46}
